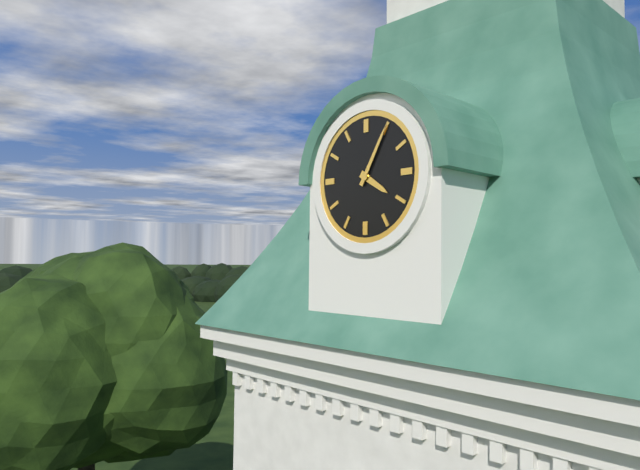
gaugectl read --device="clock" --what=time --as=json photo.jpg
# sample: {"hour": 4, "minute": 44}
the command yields {"hour": 4, "minute": 5}
